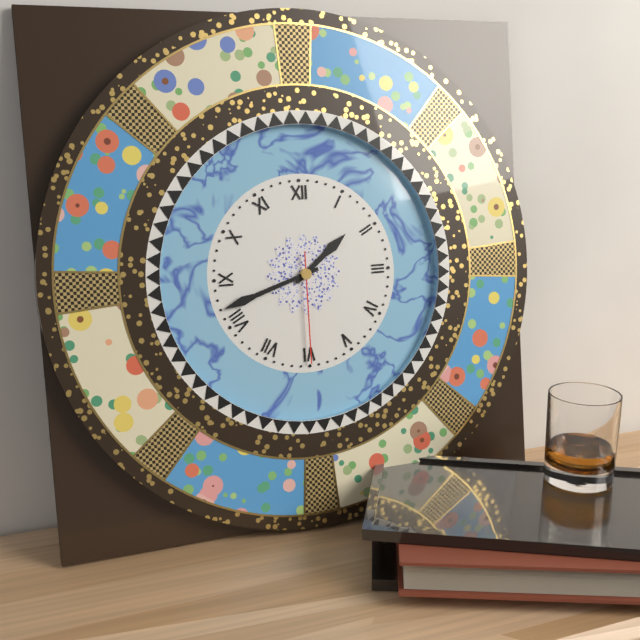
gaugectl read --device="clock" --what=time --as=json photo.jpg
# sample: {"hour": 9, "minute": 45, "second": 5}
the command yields {"hour": 1, "minute": 42, "second": 30}
